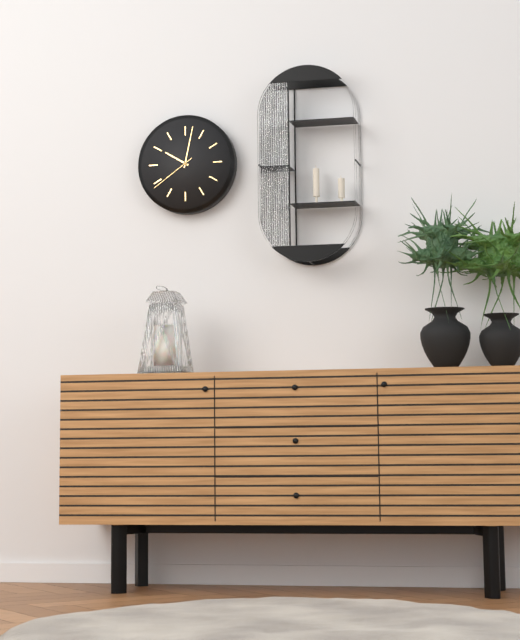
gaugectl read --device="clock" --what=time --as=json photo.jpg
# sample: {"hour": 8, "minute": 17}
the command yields {"hour": 10, "minute": 2}
